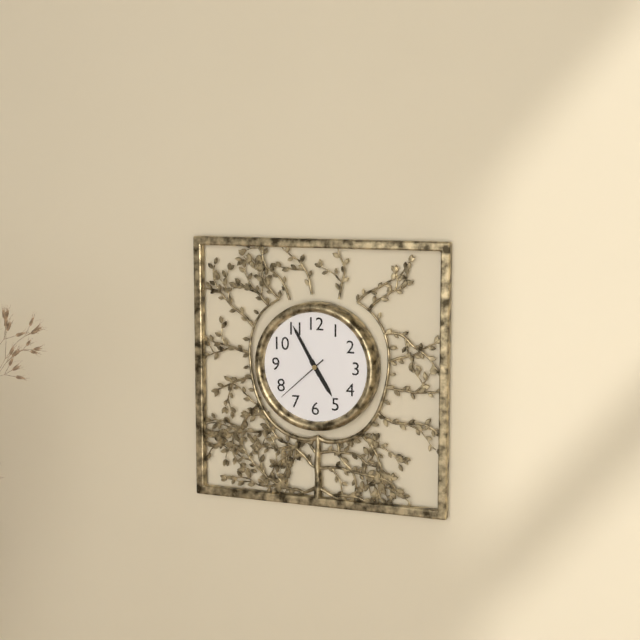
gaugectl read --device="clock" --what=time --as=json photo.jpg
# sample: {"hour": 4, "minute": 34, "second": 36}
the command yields {"hour": 4, "minute": 55, "second": 38}
